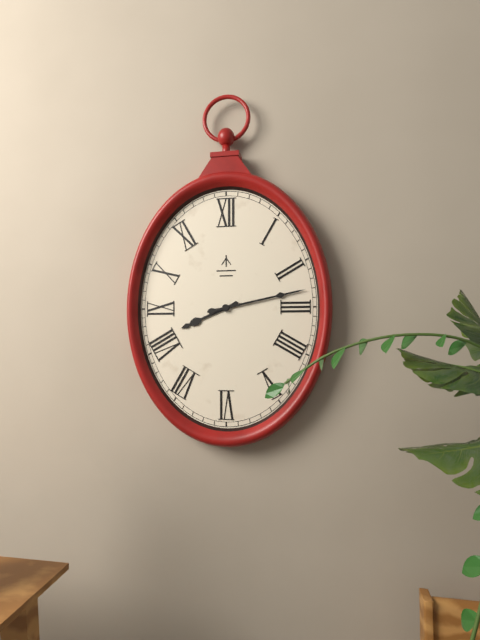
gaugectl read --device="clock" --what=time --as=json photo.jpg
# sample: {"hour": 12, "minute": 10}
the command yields {"hour": 8, "minute": 13}
